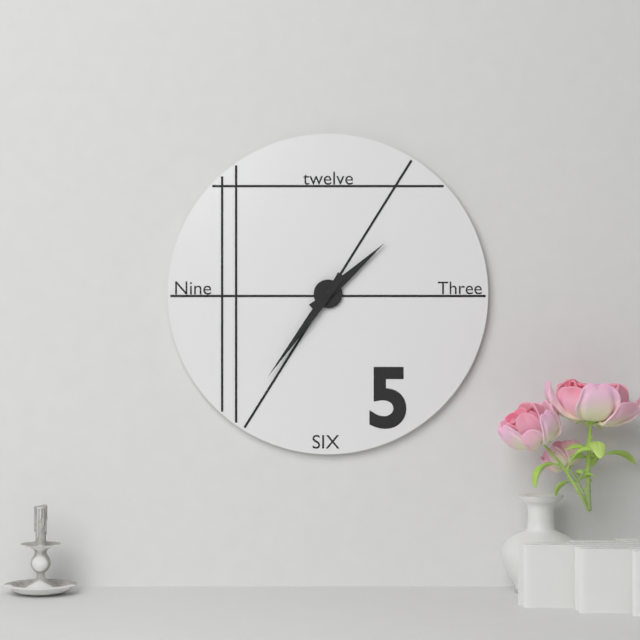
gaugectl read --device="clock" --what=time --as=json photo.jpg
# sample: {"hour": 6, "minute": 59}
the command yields {"hour": 1, "minute": 36}
